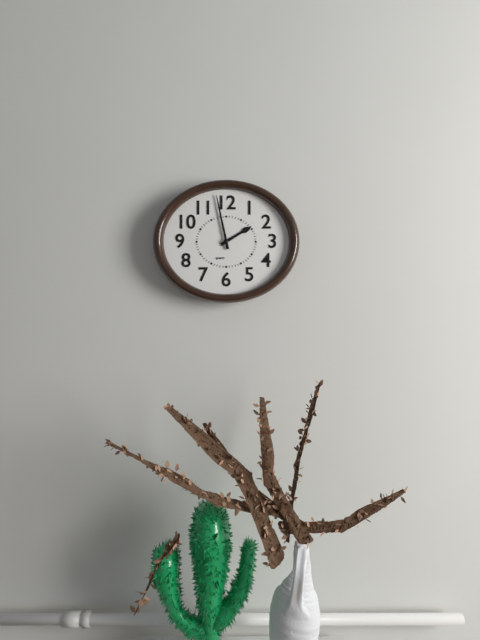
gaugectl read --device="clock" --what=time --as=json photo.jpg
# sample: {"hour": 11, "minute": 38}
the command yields {"hour": 1, "minute": 58}
